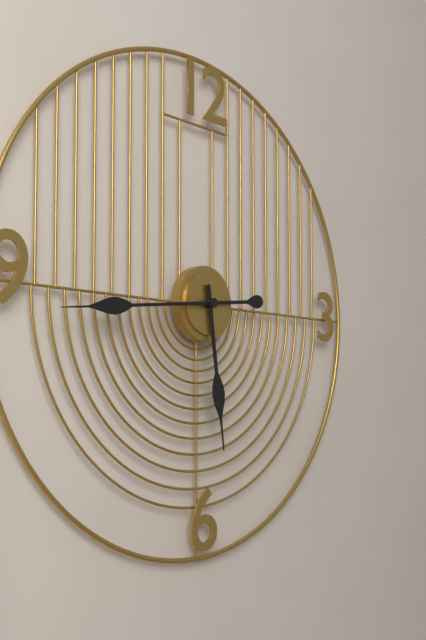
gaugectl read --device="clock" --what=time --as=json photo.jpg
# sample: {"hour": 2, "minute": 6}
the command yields {"hour": 5, "minute": 44}
